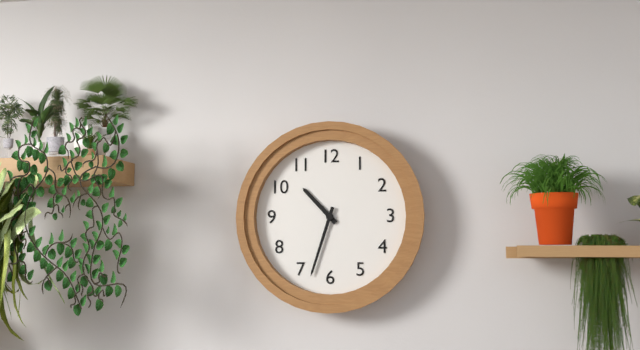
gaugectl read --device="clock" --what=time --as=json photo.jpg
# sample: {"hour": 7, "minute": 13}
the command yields {"hour": 10, "minute": 33}
